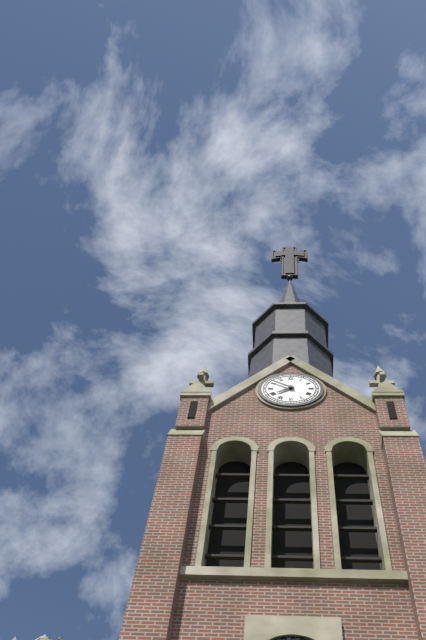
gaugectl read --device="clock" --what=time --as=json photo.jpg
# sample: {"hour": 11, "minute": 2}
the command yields {"hour": 7, "minute": 51}
